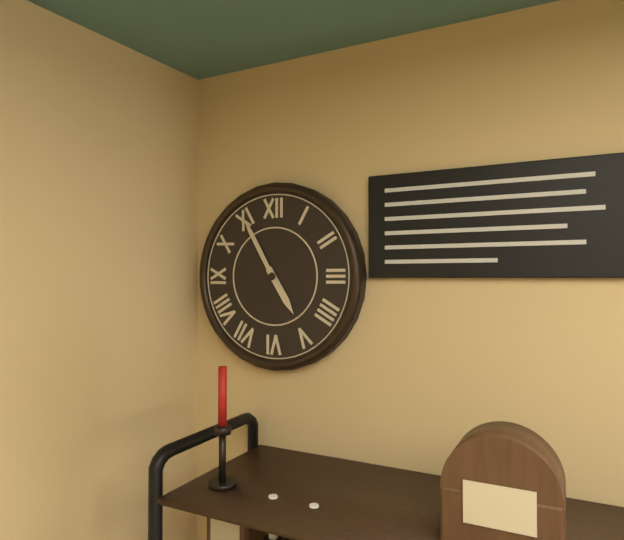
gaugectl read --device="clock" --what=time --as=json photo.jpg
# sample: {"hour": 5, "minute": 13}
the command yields {"hour": 4, "minute": 55}
